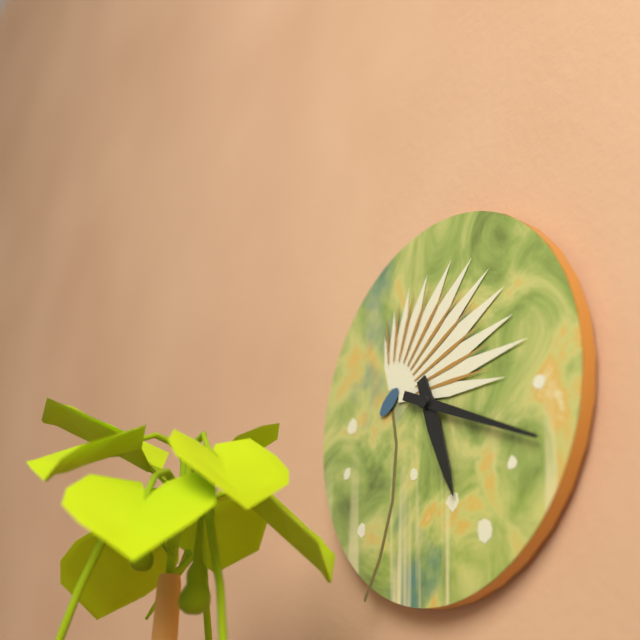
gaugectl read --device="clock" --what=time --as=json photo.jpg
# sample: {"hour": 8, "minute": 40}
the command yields {"hour": 5, "minute": 19}
